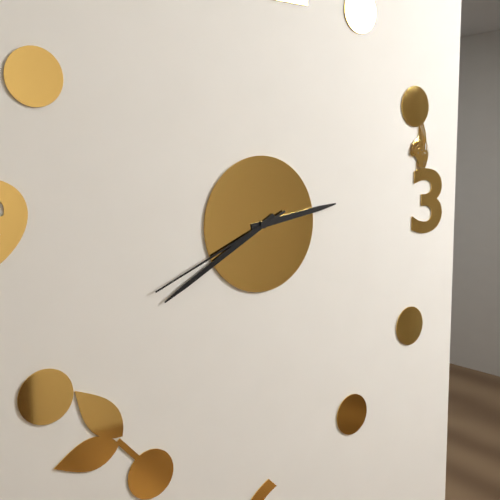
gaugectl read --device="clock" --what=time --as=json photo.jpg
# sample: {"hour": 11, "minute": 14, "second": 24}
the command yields {"hour": 2, "minute": 40, "second": 41}
